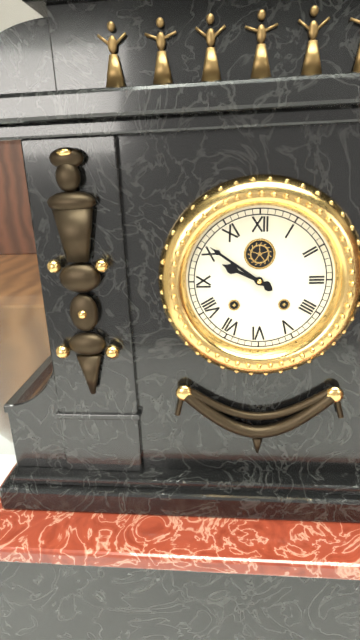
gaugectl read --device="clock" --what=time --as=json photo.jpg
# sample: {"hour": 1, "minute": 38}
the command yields {"hour": 9, "minute": 51}
